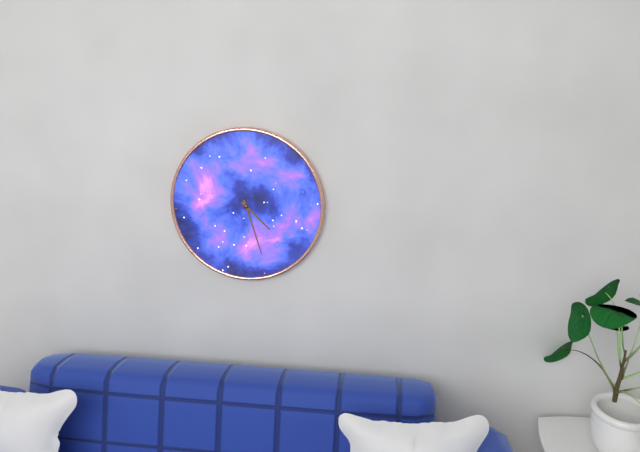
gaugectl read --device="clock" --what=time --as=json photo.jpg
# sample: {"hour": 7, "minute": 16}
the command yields {"hour": 4, "minute": 27}
